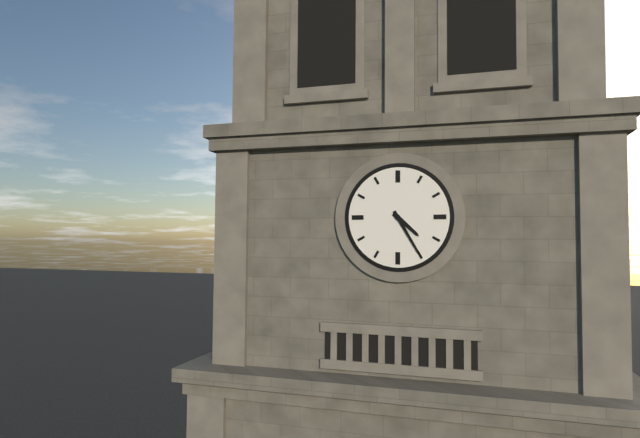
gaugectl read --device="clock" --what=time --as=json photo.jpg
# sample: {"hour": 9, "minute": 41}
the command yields {"hour": 4, "minute": 25}
